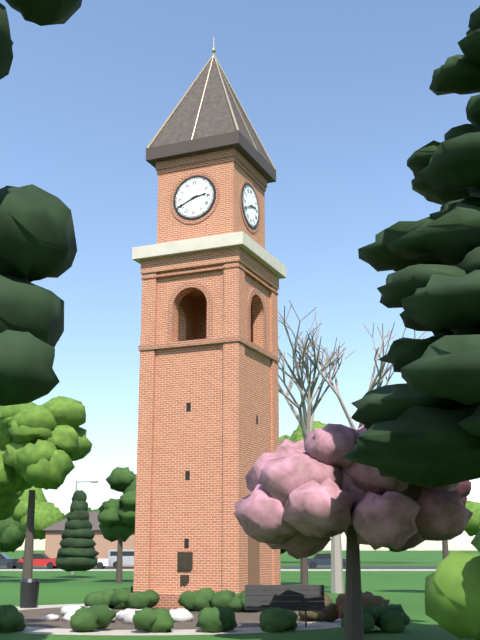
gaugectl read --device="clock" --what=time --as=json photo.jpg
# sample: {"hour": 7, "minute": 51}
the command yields {"hour": 2, "minute": 41}
